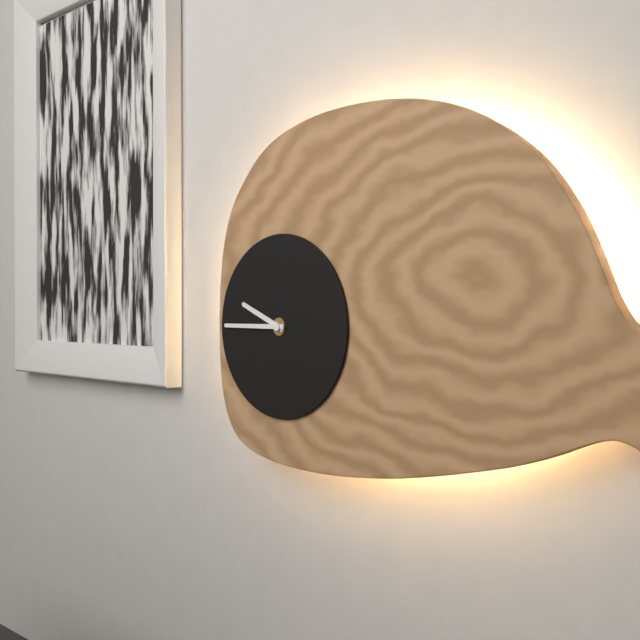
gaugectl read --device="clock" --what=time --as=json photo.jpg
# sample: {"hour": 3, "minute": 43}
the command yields {"hour": 9, "minute": 45}
